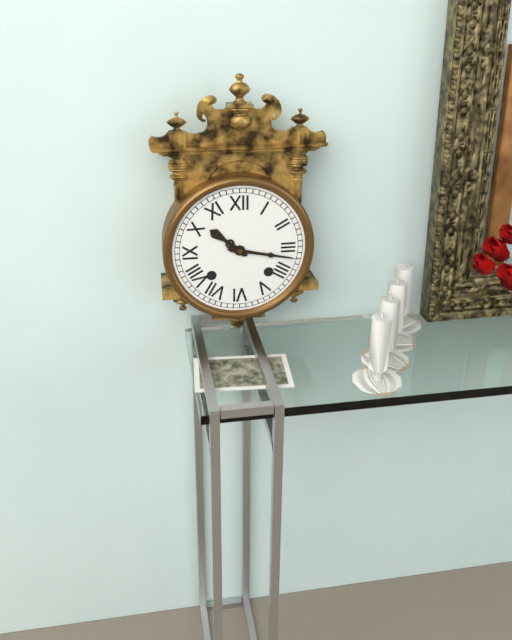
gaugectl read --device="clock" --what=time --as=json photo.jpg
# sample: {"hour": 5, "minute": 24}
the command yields {"hour": 10, "minute": 17}
